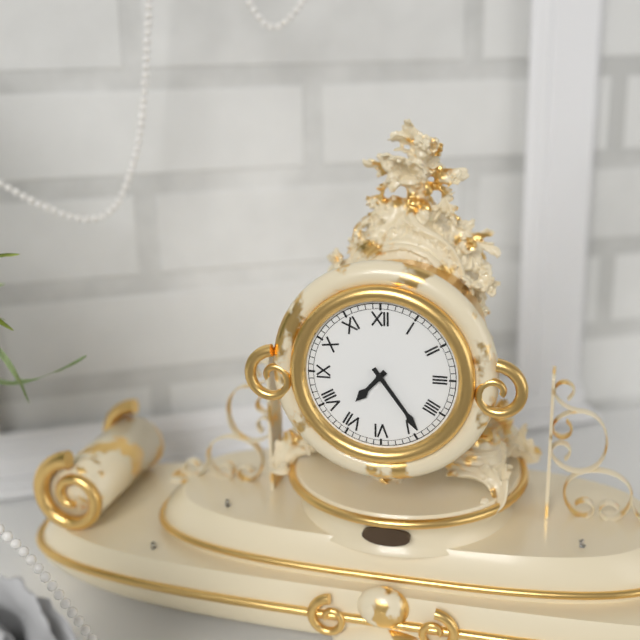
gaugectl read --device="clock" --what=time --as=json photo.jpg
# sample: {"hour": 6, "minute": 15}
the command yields {"hour": 7, "minute": 24}
